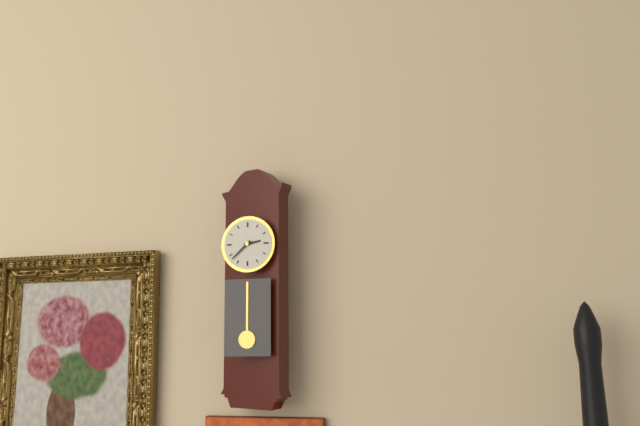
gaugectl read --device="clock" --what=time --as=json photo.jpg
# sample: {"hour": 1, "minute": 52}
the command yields {"hour": 2, "minute": 38}
